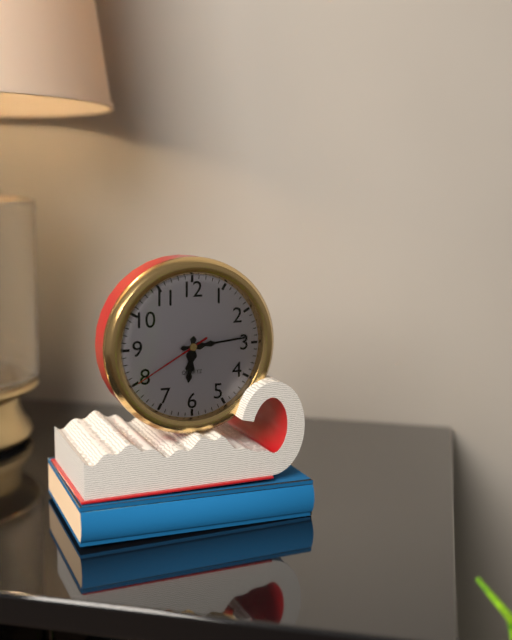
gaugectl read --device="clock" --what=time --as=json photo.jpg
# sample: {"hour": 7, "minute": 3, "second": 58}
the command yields {"hour": 6, "minute": 14, "second": 40}
